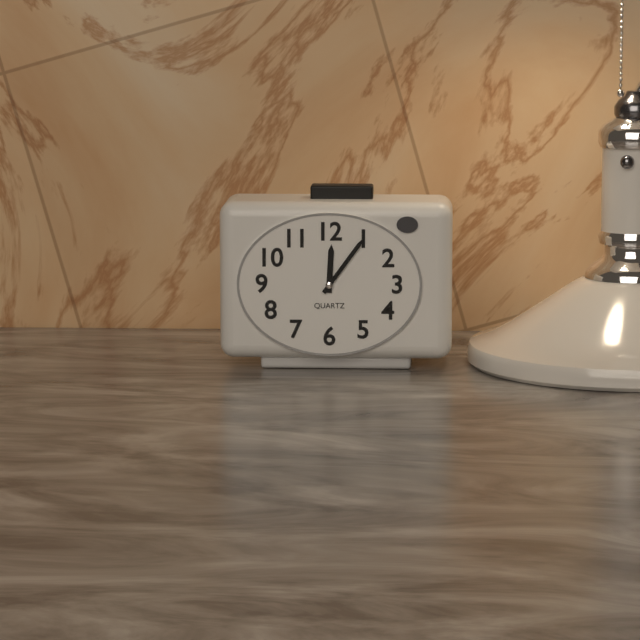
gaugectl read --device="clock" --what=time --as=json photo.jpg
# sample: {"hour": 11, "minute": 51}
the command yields {"hour": 12, "minute": 6}
